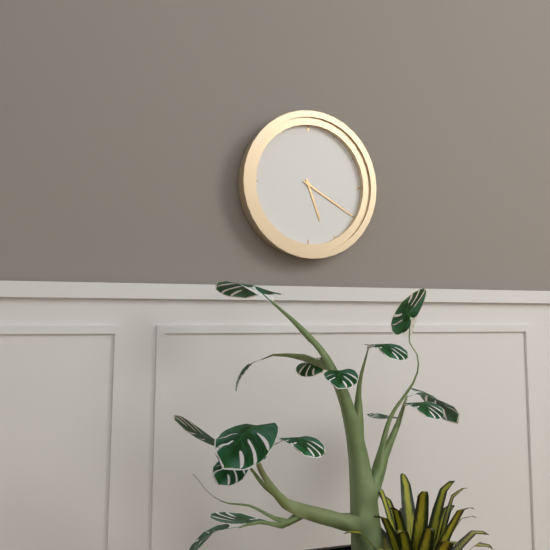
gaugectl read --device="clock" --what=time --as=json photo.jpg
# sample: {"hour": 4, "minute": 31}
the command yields {"hour": 5, "minute": 20}
